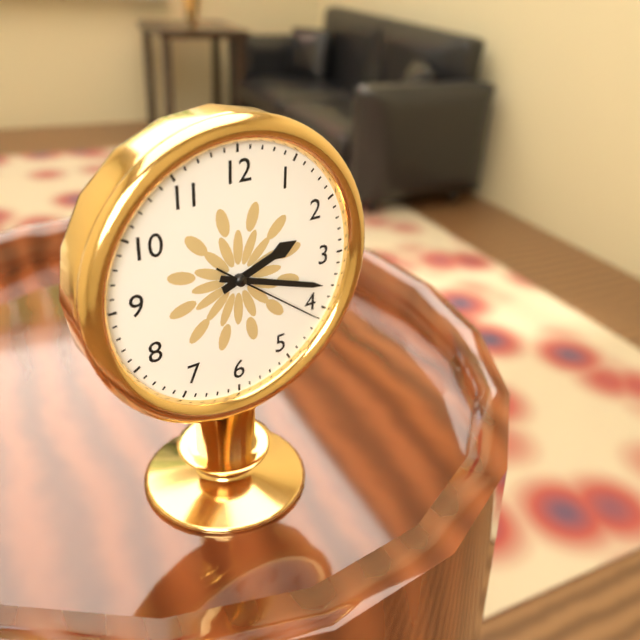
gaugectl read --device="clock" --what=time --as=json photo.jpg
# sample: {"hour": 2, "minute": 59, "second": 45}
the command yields {"hour": 2, "minute": 18, "second": 21}
